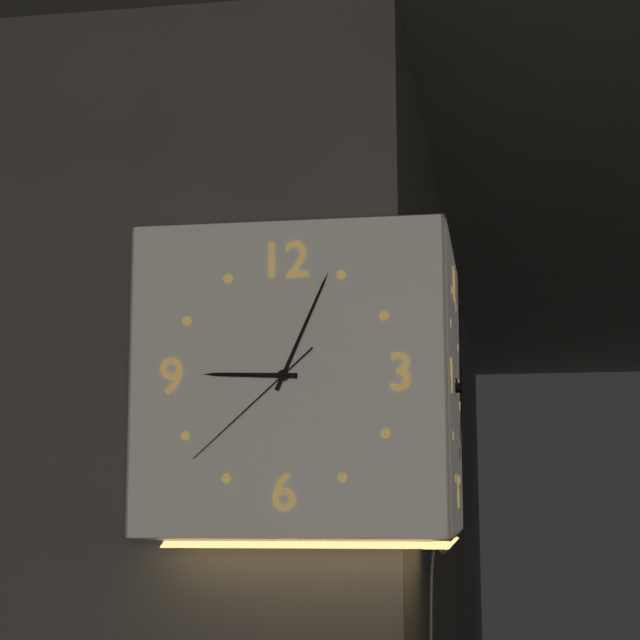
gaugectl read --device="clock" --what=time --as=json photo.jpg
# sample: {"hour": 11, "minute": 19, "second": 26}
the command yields {"hour": 9, "minute": 4, "second": 38}
